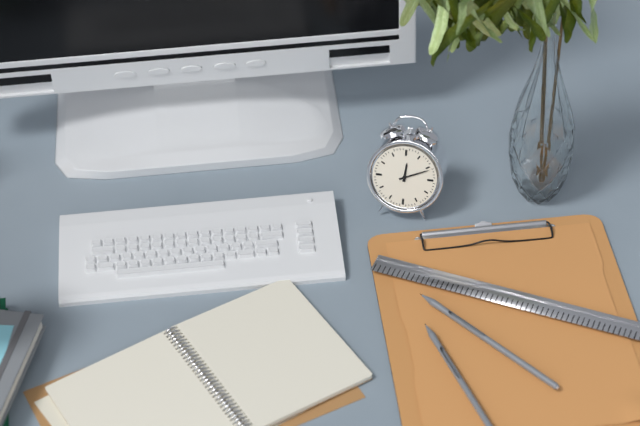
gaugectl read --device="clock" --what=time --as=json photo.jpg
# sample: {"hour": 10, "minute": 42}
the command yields {"hour": 12, "minute": 11}
